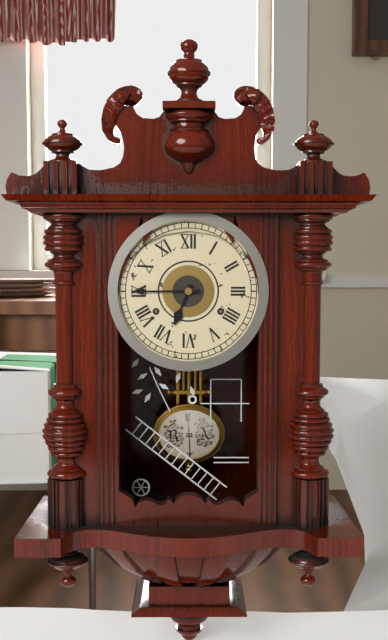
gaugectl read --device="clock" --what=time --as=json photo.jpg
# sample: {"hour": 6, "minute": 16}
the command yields {"hour": 6, "minute": 45}
